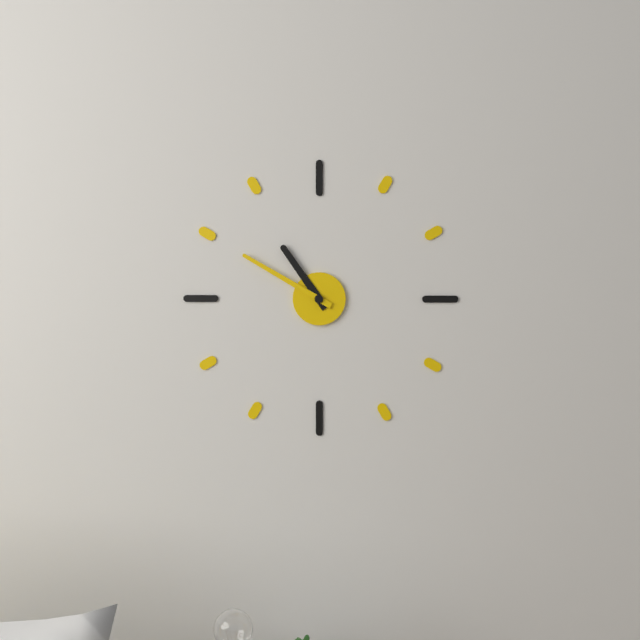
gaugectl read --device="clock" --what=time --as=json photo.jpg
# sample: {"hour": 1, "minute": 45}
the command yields {"hour": 10, "minute": 50}
